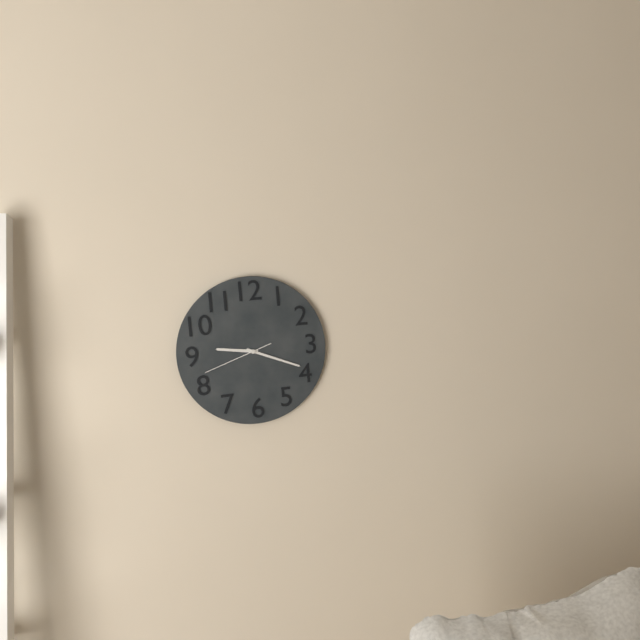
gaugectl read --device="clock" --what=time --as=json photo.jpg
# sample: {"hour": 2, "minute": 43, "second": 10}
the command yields {"hour": 9, "minute": 19, "second": 42}
